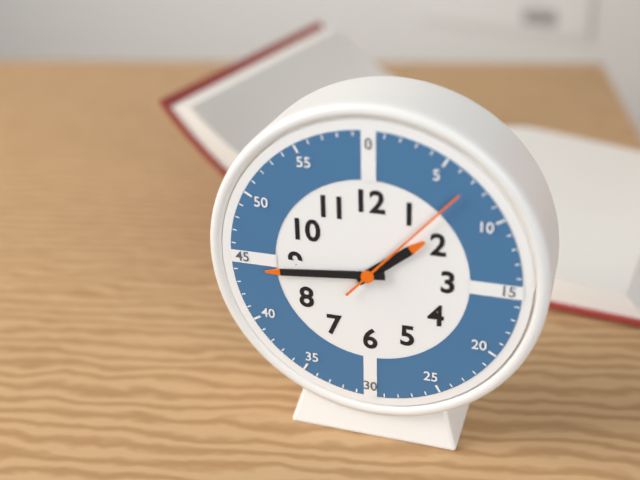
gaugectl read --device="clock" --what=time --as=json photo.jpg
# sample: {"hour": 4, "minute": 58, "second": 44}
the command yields {"hour": 1, "minute": 44, "second": 7}
